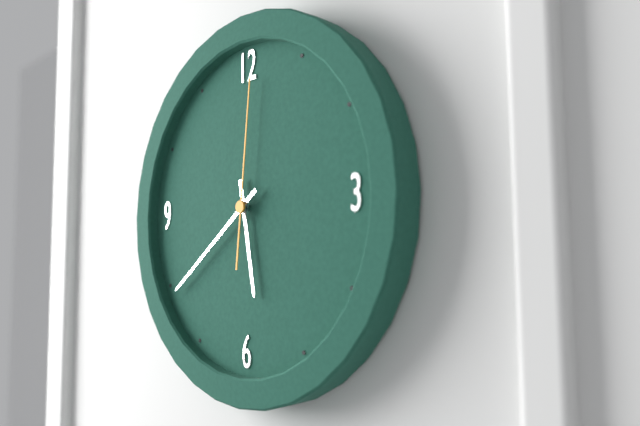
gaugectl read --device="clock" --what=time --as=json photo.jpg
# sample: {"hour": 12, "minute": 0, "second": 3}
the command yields {"hour": 5, "minute": 39, "second": 1}
